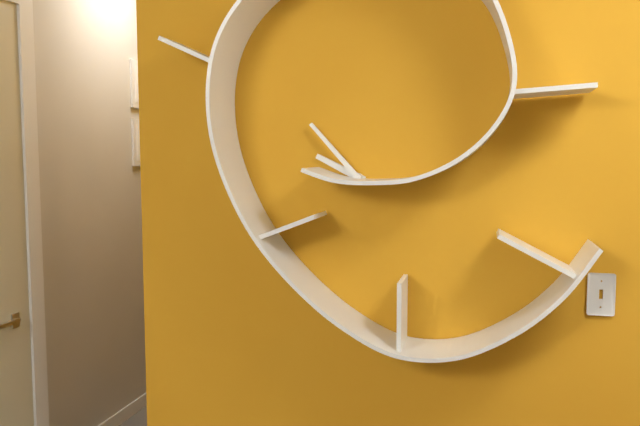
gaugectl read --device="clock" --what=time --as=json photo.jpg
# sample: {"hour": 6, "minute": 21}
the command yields {"hour": 9, "minute": 53}
